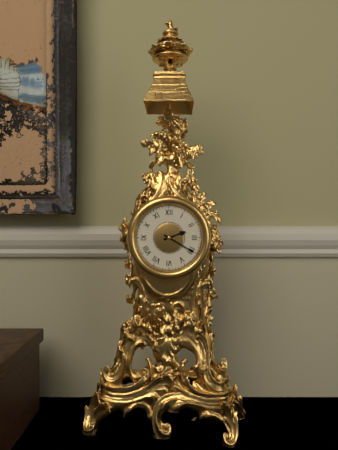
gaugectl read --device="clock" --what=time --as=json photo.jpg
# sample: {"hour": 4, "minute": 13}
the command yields {"hour": 2, "minute": 20}
